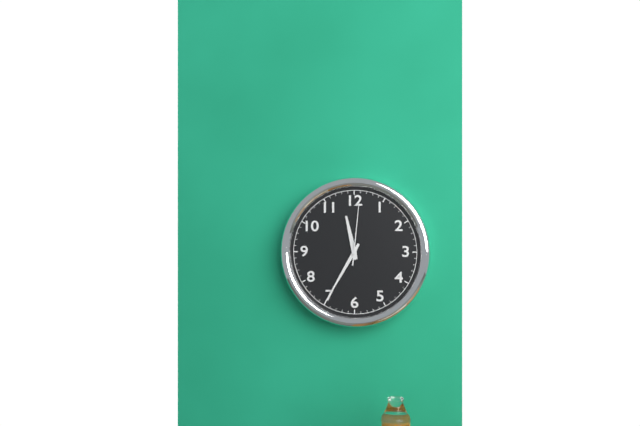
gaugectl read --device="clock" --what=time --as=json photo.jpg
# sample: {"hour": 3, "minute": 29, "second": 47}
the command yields {"hour": 11, "minute": 35, "second": 1}
